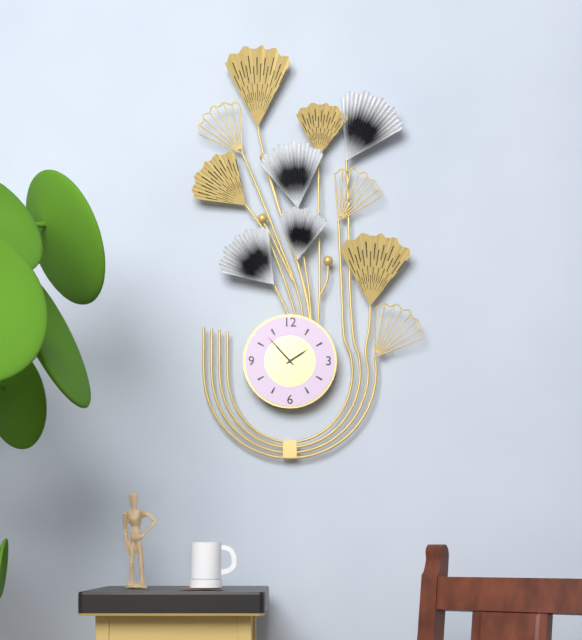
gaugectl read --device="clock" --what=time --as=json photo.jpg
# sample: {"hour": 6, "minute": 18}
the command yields {"hour": 1, "minute": 53}
